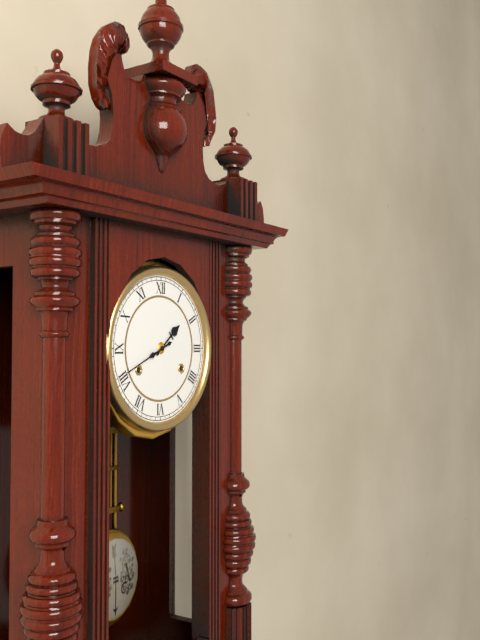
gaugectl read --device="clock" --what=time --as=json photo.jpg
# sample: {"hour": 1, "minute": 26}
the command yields {"hour": 1, "minute": 41}
